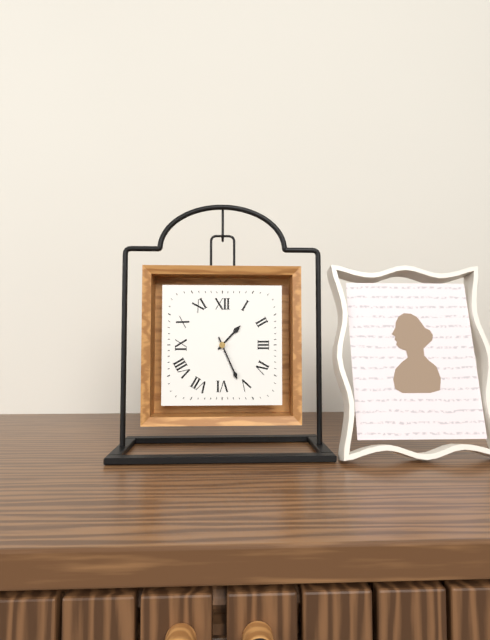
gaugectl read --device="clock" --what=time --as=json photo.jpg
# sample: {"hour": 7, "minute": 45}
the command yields {"hour": 1, "minute": 26}
